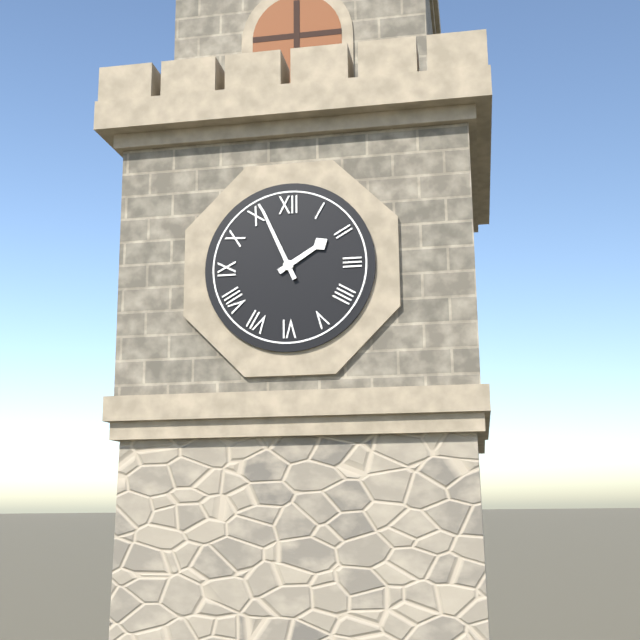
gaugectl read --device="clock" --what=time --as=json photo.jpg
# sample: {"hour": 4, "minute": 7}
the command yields {"hour": 1, "minute": 56}
